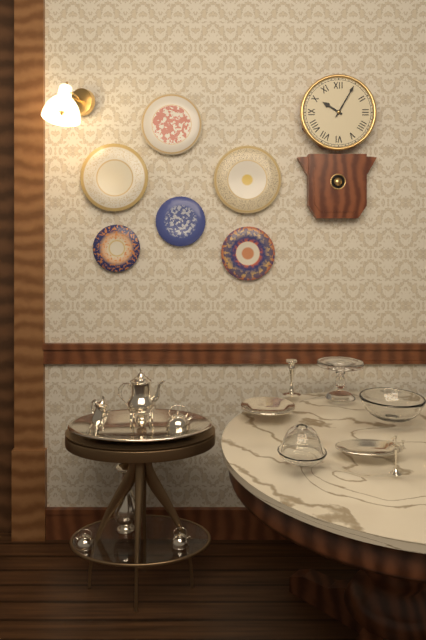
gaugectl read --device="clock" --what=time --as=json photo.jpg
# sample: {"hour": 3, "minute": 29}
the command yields {"hour": 10, "minute": 5}
